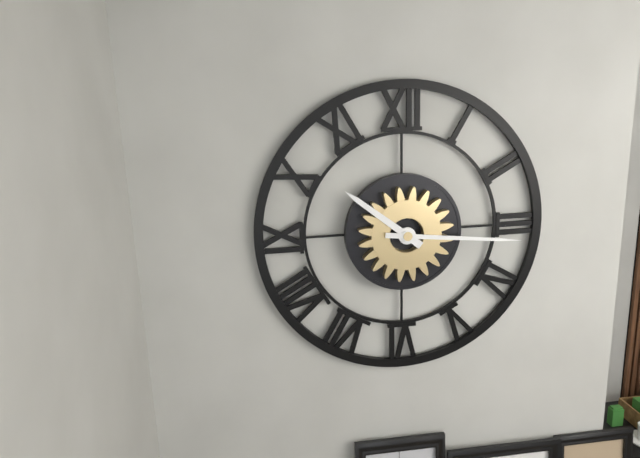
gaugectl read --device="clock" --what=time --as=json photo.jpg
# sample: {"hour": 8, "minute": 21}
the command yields {"hour": 10, "minute": 16}
